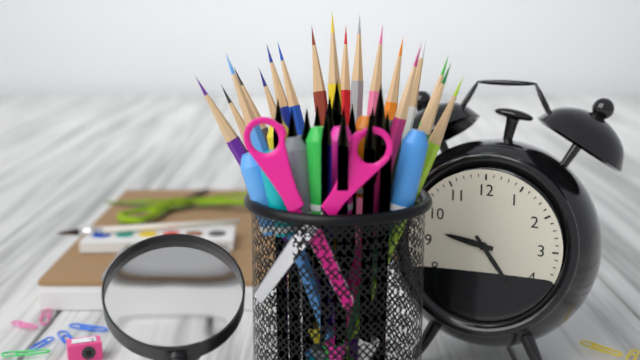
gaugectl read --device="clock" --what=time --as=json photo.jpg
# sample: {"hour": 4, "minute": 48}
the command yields {"hour": 9, "minute": 24}
